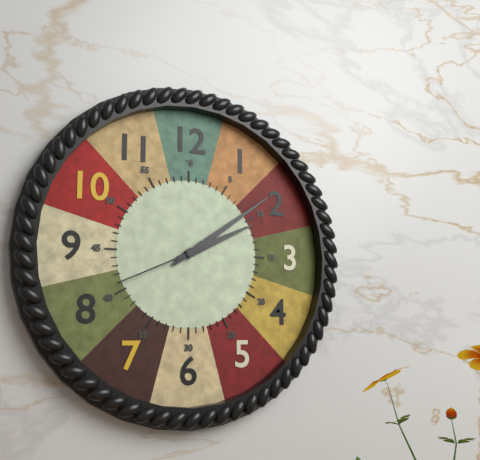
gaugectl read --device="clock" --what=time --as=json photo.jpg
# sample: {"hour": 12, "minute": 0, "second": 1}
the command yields {"hour": 2, "minute": 9, "second": 41}
